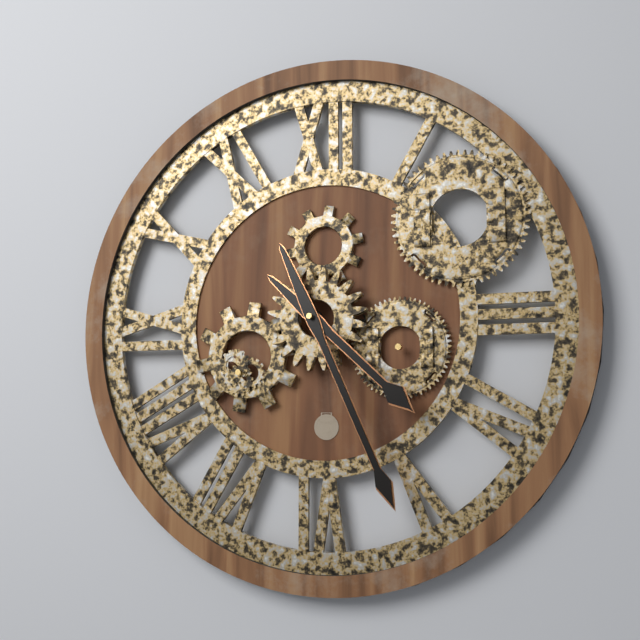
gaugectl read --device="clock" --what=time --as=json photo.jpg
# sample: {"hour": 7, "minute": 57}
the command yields {"hour": 4, "minute": 26}
